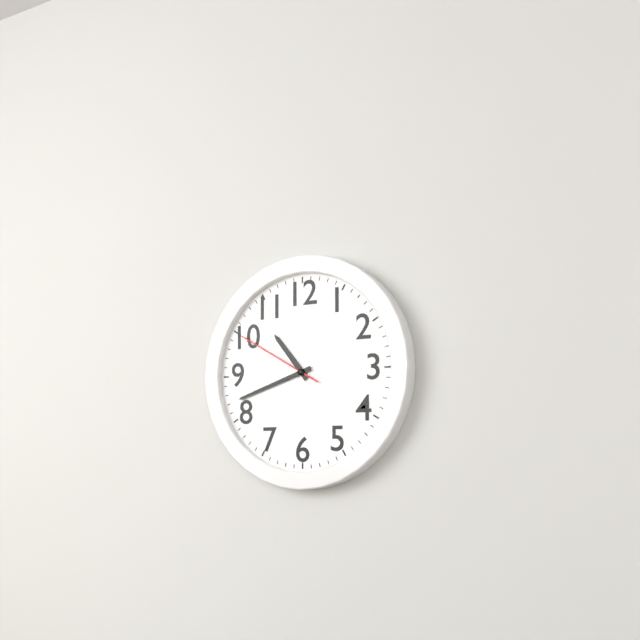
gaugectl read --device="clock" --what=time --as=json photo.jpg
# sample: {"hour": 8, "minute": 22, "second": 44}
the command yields {"hour": 10, "minute": 42, "second": 50}
